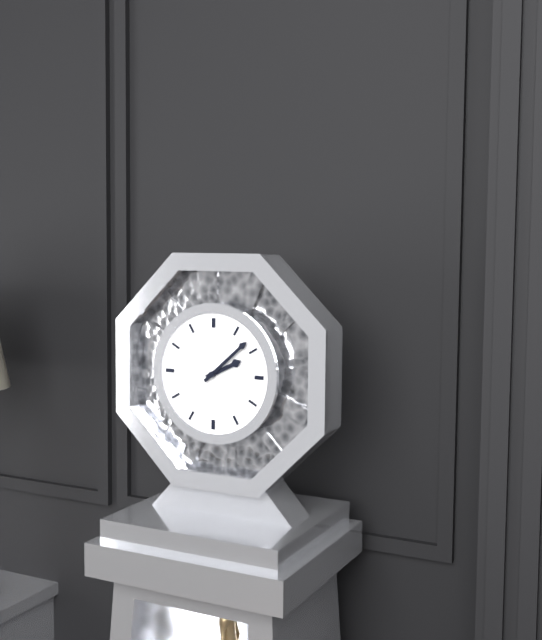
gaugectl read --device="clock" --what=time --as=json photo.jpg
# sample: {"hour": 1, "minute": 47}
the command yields {"hour": 2, "minute": 8}
